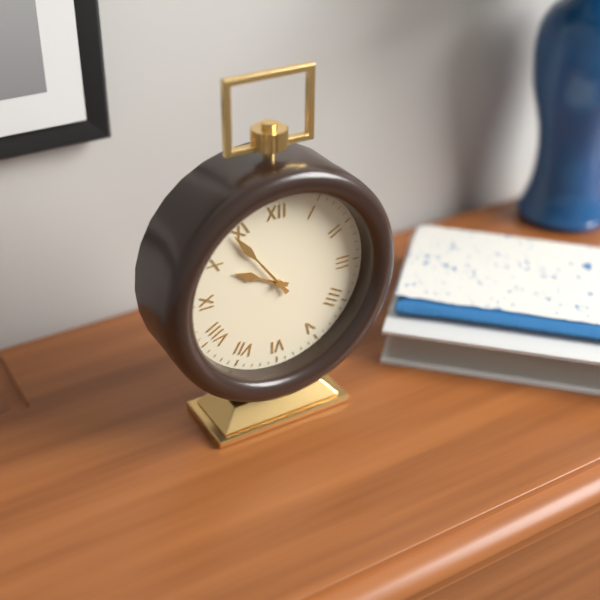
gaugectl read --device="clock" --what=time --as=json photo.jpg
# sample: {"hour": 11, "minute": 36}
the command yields {"hour": 9, "minute": 54}
